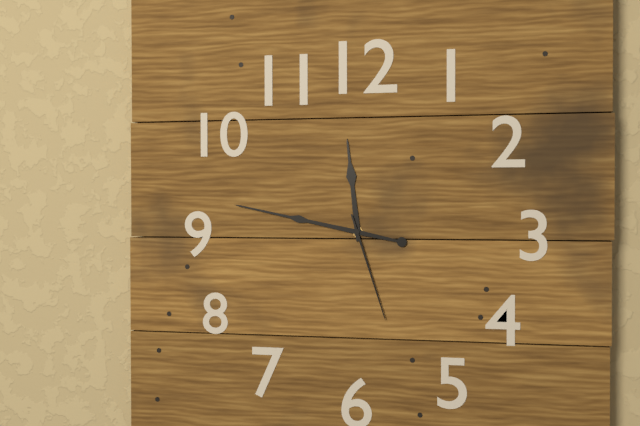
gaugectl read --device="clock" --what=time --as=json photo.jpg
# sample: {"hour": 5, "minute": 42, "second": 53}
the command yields {"hour": 11, "minute": 47, "second": 27}
